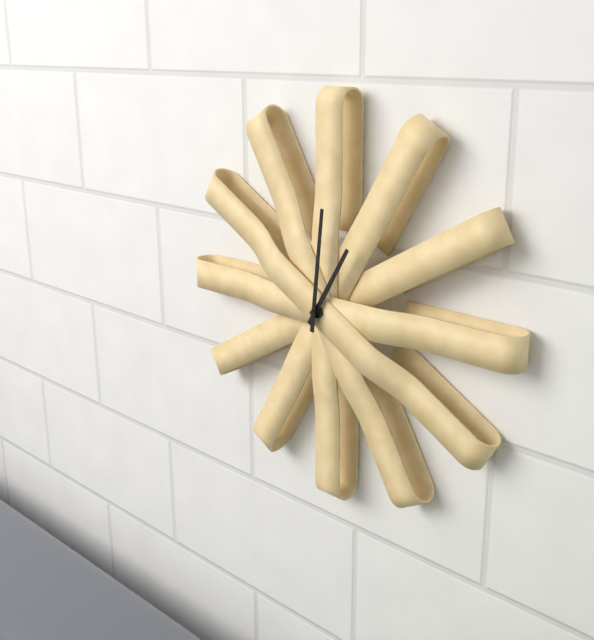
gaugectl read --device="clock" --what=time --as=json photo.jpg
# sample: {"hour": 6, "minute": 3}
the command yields {"hour": 1, "minute": 1}
